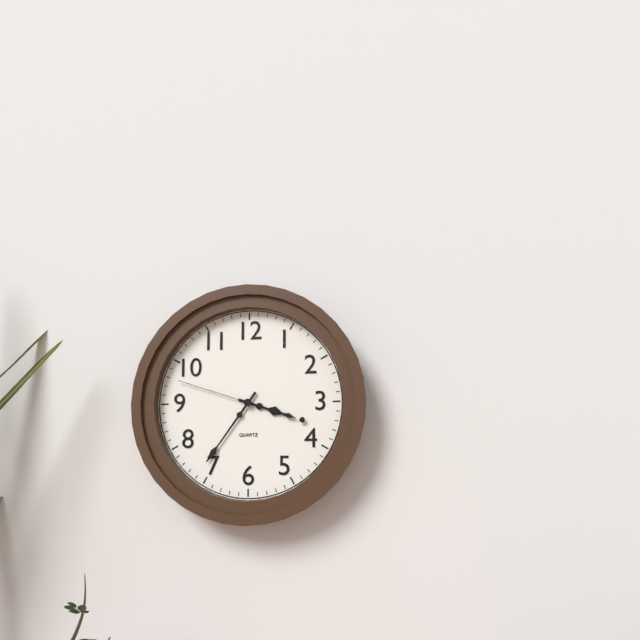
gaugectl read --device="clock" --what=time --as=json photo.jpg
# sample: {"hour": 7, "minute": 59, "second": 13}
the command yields {"hour": 3, "minute": 36, "second": 48}
